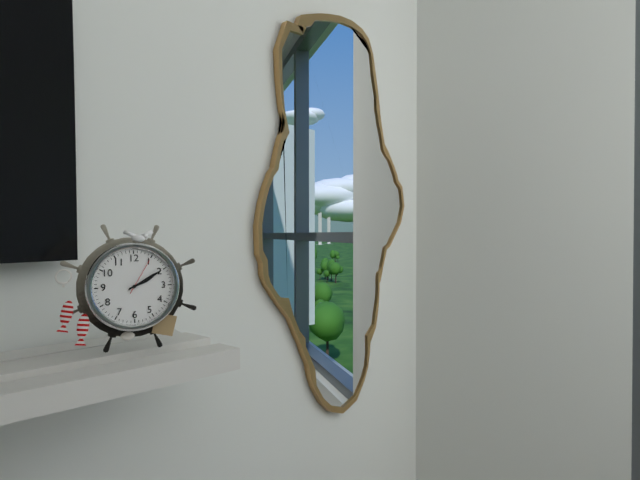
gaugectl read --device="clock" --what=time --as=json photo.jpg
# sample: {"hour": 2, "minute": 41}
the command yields {"hour": 2, "minute": 10}
